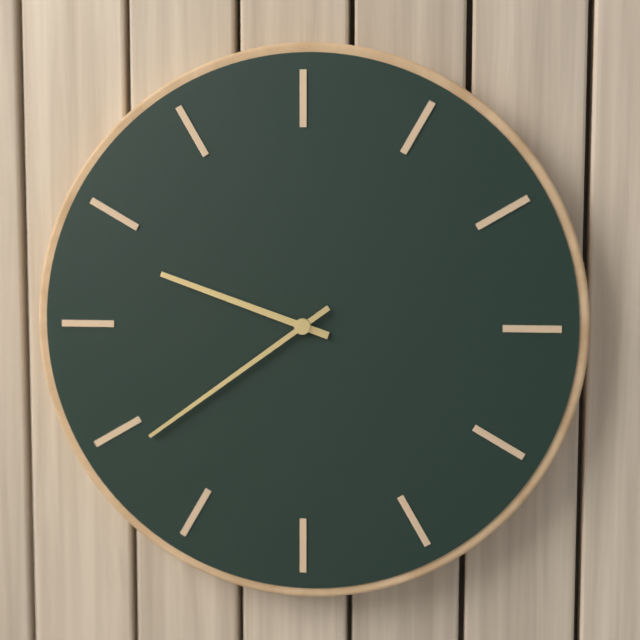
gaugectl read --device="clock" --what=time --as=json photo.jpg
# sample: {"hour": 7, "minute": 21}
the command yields {"hour": 9, "minute": 39}
